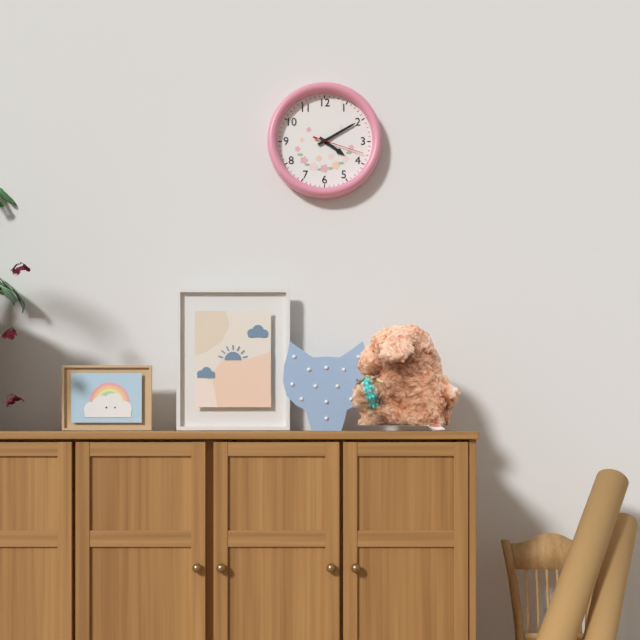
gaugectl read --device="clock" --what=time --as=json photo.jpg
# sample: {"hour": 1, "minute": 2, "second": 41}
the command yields {"hour": 4, "minute": 10, "second": 18}
